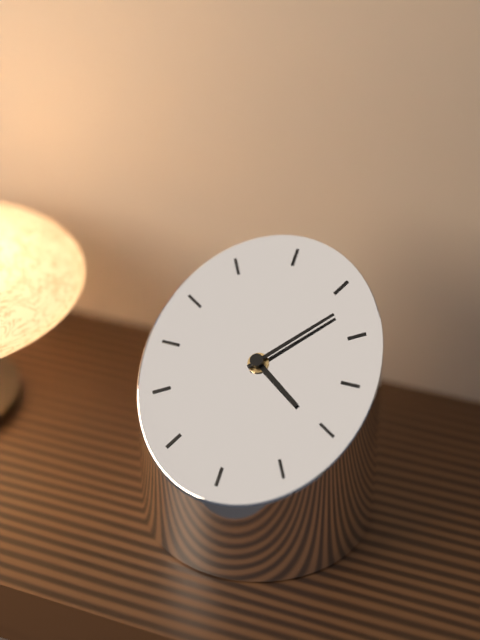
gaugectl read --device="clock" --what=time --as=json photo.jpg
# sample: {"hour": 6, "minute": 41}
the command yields {"hour": 4, "minute": 7}
